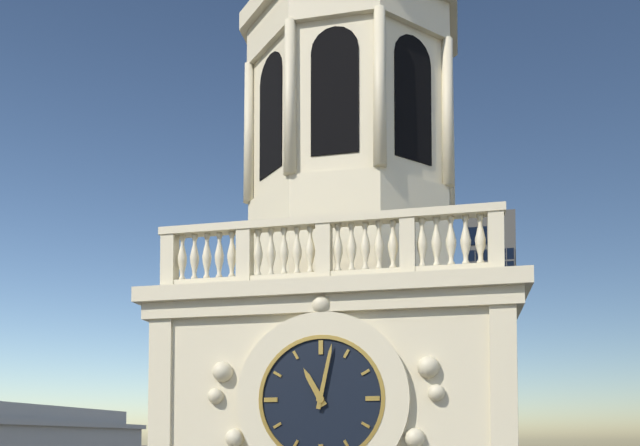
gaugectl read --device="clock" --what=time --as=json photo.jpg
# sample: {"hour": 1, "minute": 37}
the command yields {"hour": 11, "minute": 2}
